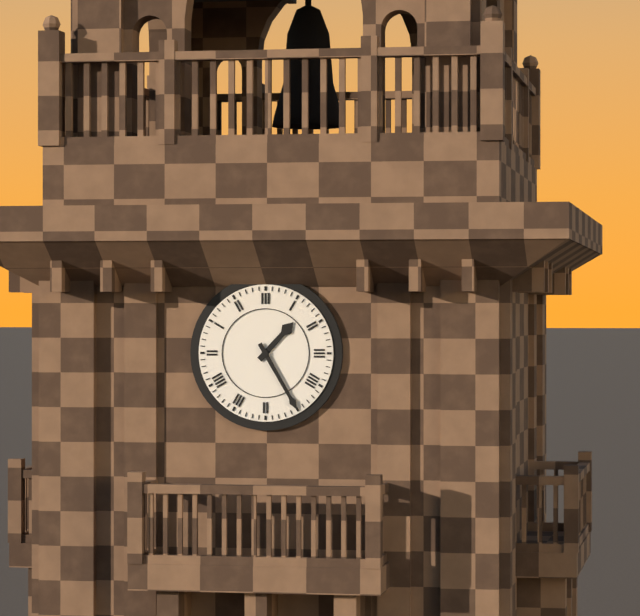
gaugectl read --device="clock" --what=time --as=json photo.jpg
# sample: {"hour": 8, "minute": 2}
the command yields {"hour": 1, "minute": 25}
